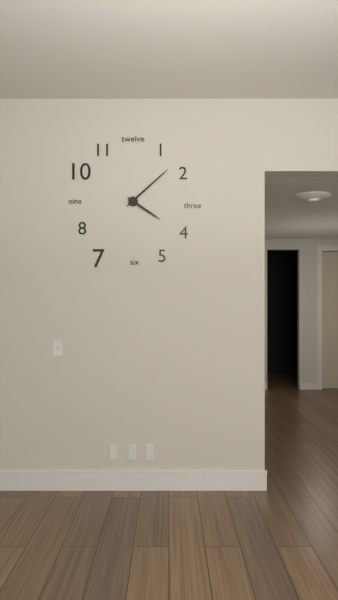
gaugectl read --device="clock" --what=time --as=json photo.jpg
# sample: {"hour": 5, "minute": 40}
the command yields {"hour": 4, "minute": 8}
